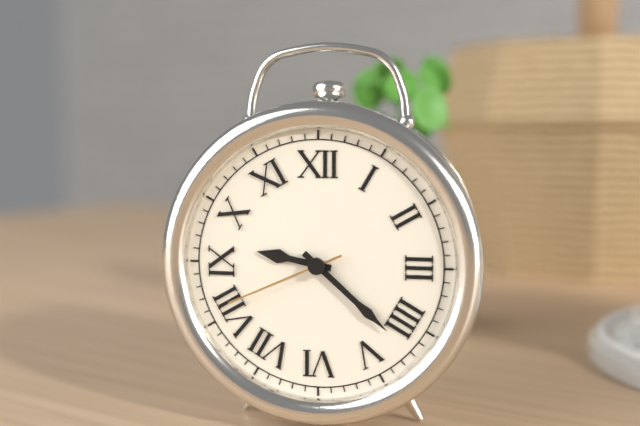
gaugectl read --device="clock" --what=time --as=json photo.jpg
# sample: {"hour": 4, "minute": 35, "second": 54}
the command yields {"hour": 9, "minute": 22, "second": 41}
